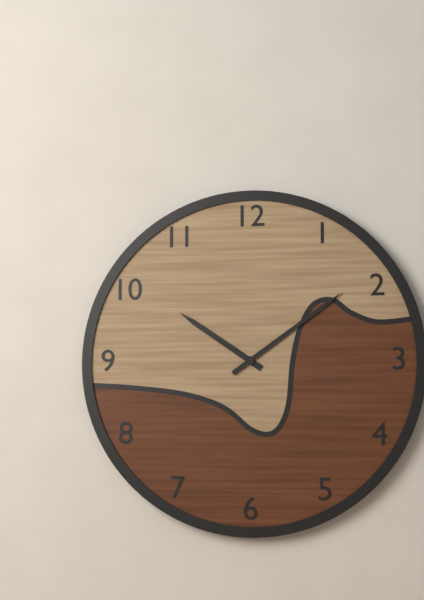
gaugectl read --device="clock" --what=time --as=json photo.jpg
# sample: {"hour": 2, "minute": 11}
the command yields {"hour": 10, "minute": 9}
